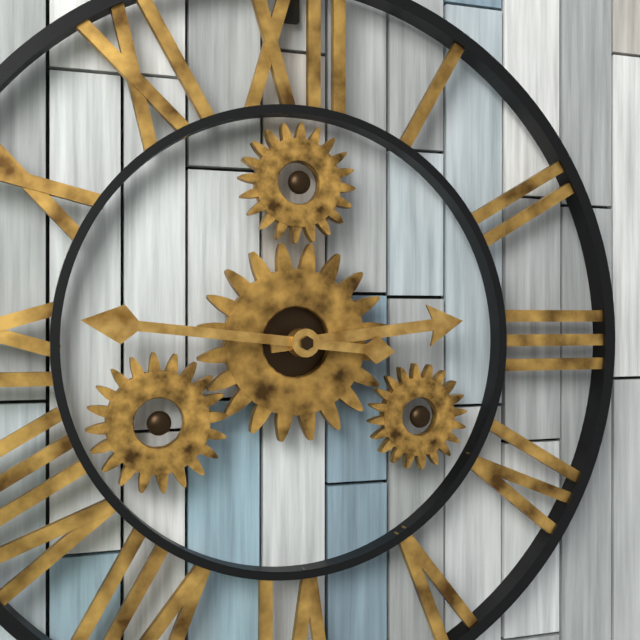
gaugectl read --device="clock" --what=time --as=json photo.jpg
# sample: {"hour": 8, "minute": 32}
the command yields {"hour": 2, "minute": 46}
